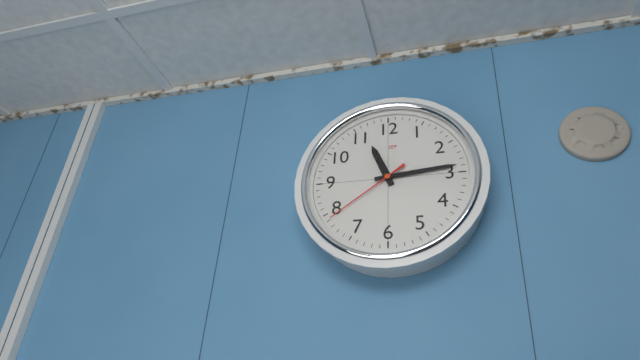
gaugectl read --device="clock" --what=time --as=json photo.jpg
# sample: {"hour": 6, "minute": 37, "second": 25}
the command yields {"hour": 11, "minute": 14, "second": 39}
